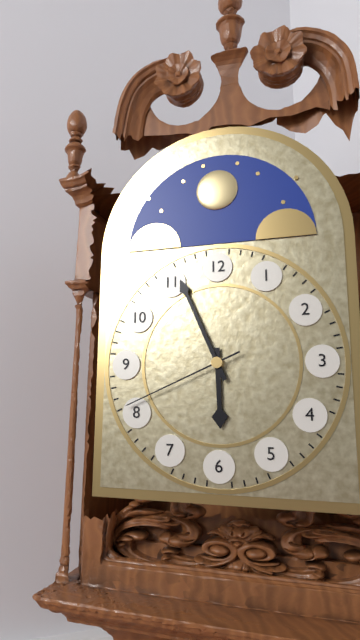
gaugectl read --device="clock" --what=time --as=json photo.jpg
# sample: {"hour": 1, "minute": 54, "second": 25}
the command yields {"hour": 5, "minute": 56, "second": 41}
